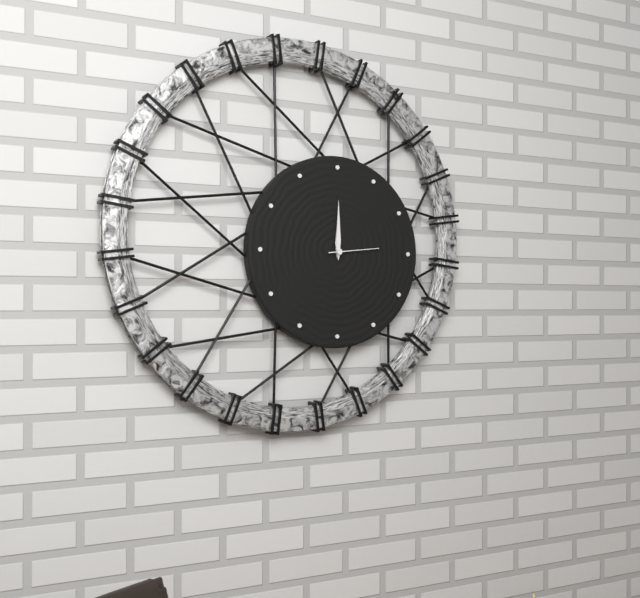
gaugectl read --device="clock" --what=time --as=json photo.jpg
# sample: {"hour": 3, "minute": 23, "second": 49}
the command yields {"hour": 12, "minute": 0, "second": 14}
